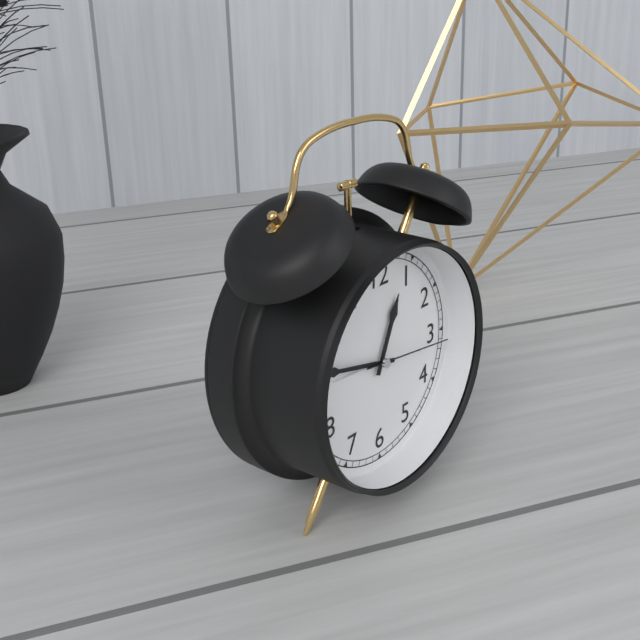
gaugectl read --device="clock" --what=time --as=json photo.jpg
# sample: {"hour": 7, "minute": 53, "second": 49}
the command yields {"hour": 12, "minute": 47, "second": 16}
